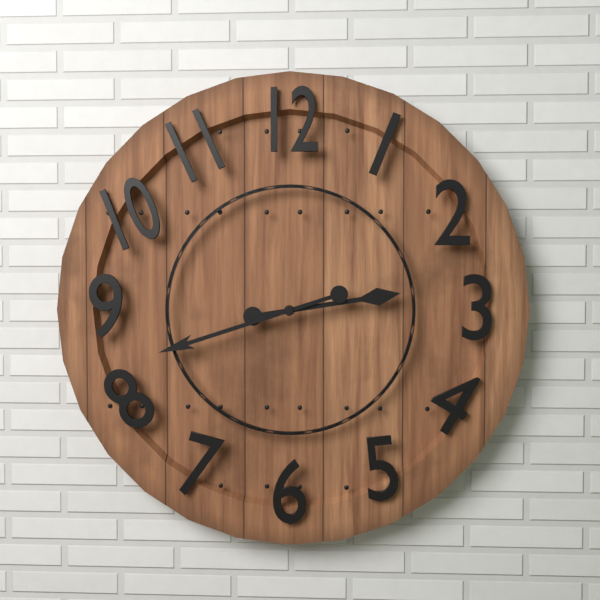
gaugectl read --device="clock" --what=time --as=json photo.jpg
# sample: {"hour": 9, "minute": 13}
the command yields {"hour": 2, "minute": 42}
